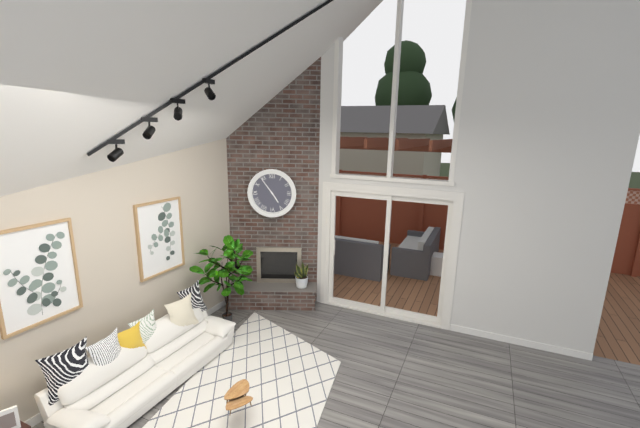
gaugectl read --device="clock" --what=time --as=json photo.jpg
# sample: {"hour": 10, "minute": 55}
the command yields {"hour": 4, "minute": 54}
